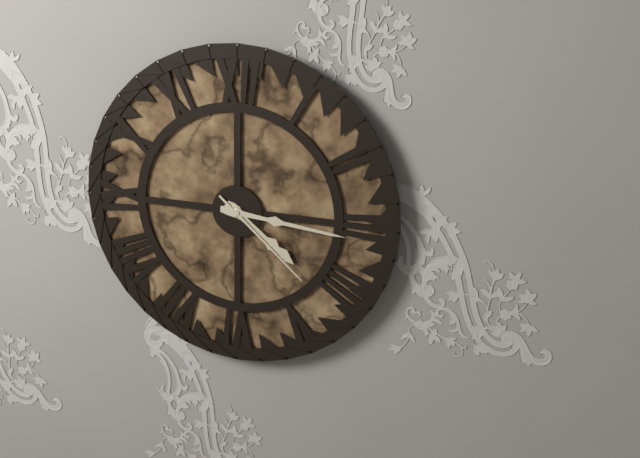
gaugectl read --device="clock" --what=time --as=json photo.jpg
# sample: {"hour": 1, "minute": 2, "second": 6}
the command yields {"hour": 4, "minute": 16, "second": 22}
